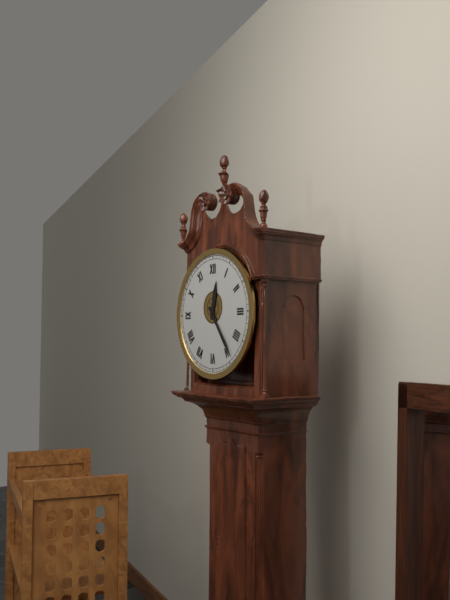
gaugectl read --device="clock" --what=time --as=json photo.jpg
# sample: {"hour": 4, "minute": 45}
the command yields {"hour": 12, "minute": 24}
